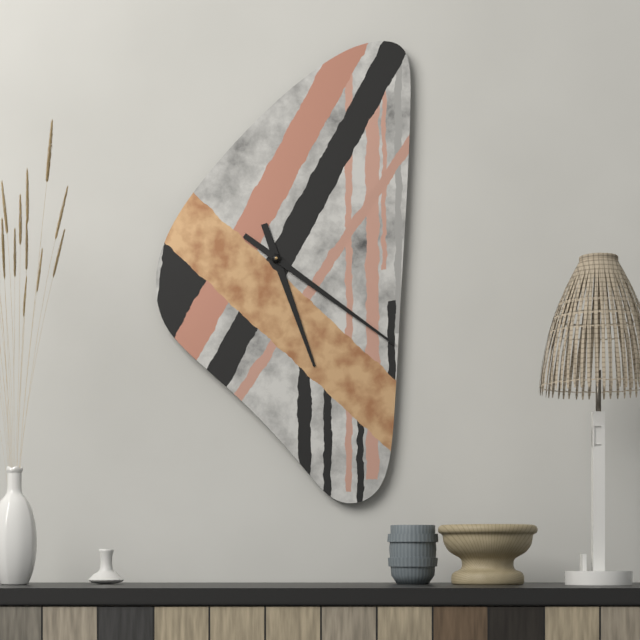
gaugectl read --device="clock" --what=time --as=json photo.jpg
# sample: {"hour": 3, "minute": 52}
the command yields {"hour": 5, "minute": 21}
